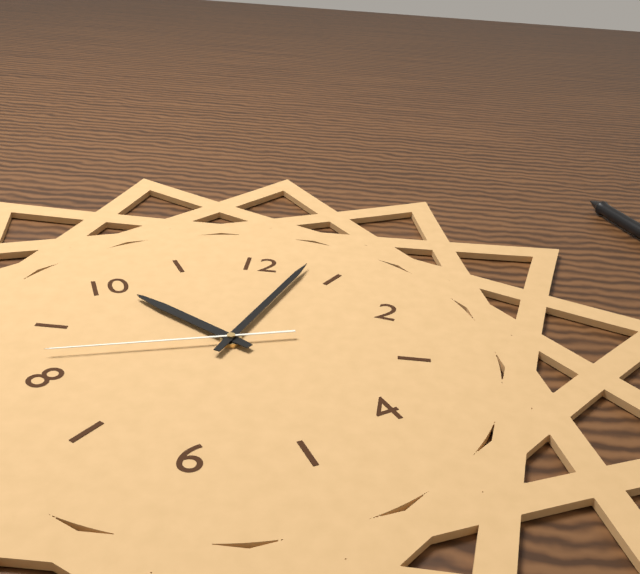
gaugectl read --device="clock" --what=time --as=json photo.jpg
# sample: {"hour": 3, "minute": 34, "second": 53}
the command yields {"hour": 10, "minute": 3, "second": 42}
